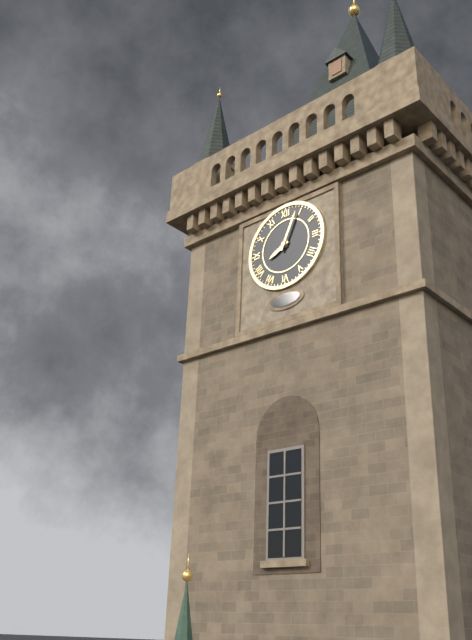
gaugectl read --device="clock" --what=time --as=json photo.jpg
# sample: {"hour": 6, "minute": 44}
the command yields {"hour": 8, "minute": 4}
